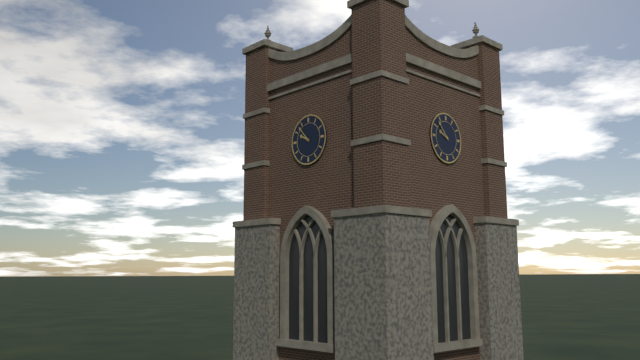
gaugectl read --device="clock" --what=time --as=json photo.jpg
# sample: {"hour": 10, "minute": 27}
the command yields {"hour": 9, "minute": 53}
